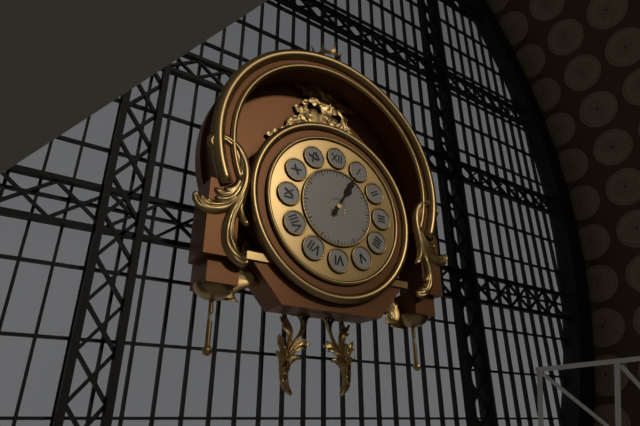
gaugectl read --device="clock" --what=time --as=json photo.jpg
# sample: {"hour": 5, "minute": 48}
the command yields {"hour": 1, "minute": 5}
